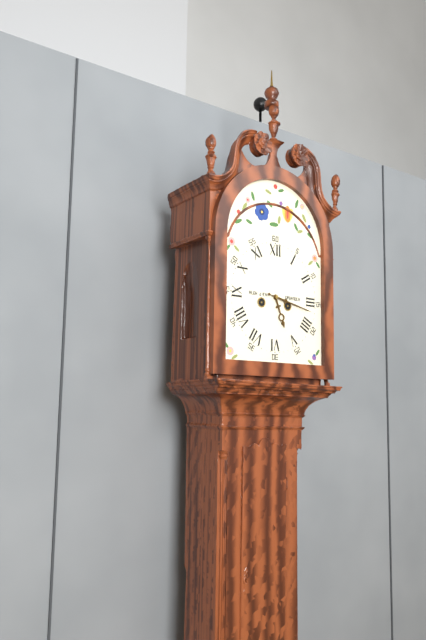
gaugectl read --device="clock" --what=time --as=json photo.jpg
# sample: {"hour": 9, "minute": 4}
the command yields {"hour": 5, "minute": 17}
